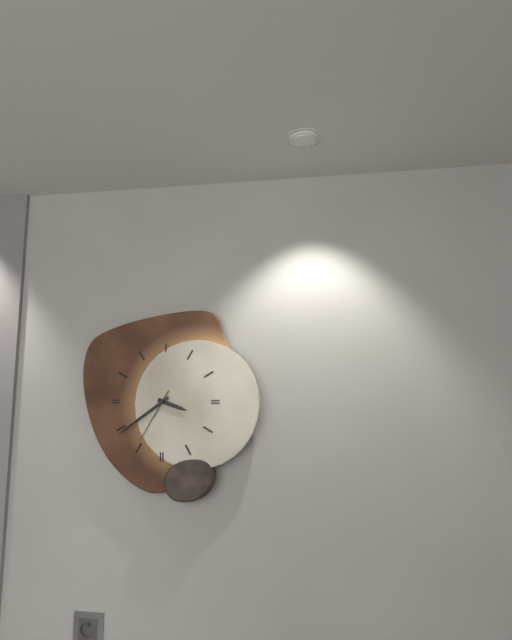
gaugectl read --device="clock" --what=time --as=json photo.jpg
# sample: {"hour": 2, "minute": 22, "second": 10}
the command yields {"hour": 3, "minute": 39, "second": 35}
